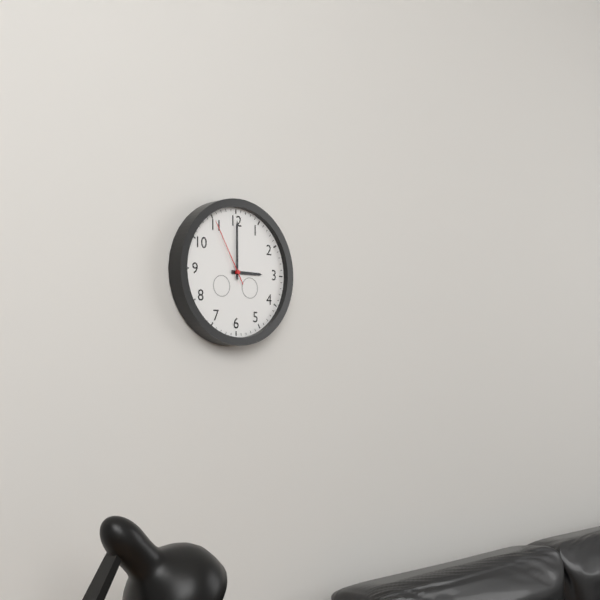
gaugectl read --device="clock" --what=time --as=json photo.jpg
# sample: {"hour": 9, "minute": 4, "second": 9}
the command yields {"hour": 3, "minute": 0, "second": 55}
